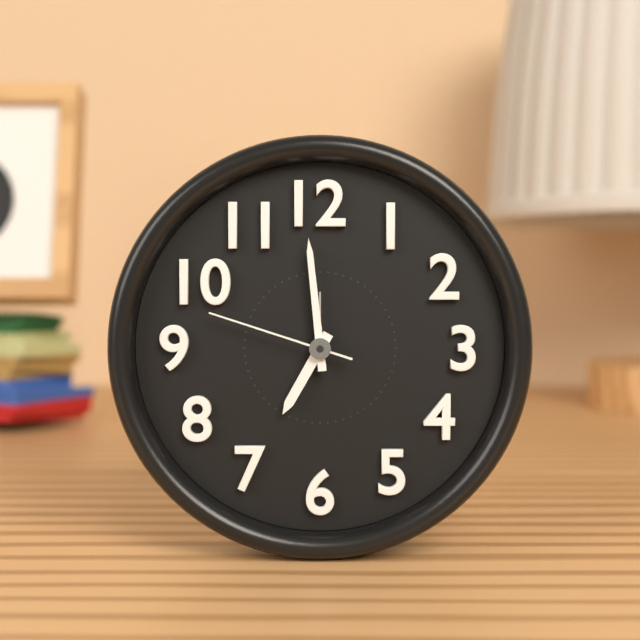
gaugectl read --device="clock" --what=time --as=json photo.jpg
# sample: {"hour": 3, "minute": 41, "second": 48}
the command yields {"hour": 6, "minute": 59, "second": 48}
